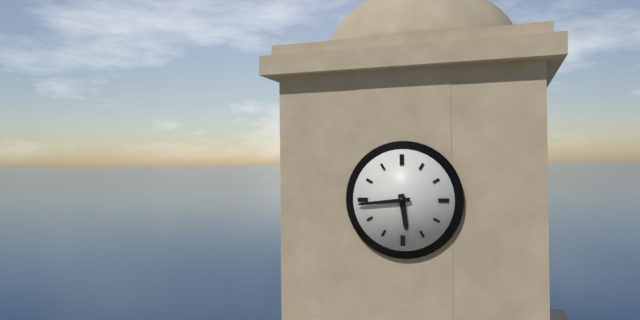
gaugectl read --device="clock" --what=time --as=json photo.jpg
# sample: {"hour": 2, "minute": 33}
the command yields {"hour": 5, "minute": 44}
